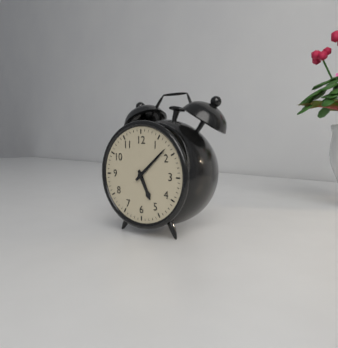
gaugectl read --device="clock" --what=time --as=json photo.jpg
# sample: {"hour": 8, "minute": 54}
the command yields {"hour": 5, "minute": 8}
